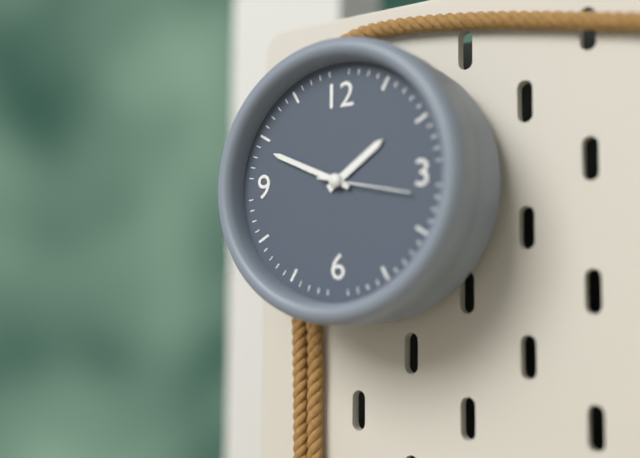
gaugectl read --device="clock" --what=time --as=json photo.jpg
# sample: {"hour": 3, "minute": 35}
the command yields {"hour": 1, "minute": 49}
